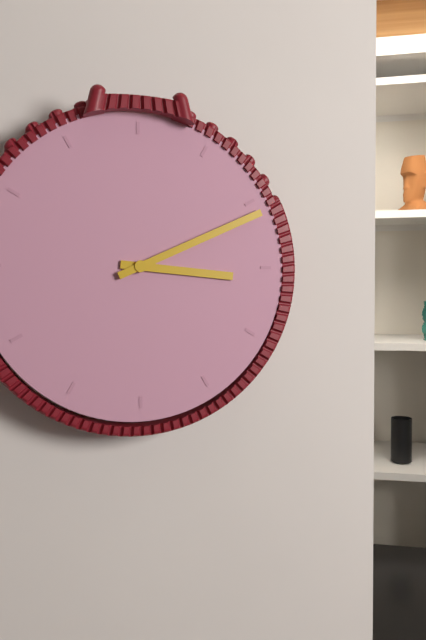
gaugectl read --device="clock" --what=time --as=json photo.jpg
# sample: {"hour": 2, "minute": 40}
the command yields {"hour": 3, "minute": 11}
